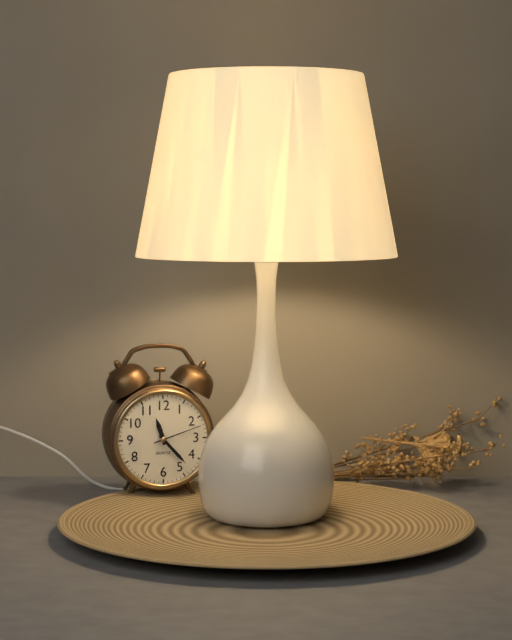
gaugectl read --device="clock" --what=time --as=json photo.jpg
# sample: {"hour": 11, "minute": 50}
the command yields {"hour": 11, "minute": 23}
